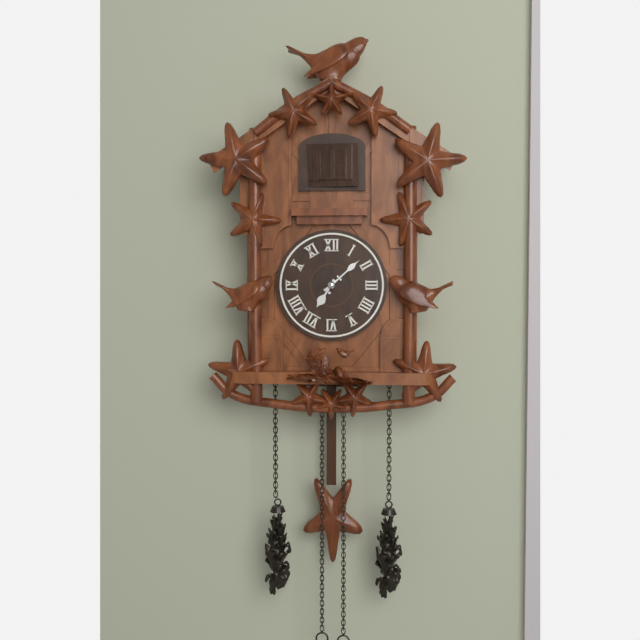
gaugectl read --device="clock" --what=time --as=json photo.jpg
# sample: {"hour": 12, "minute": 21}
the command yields {"hour": 7, "minute": 8}
